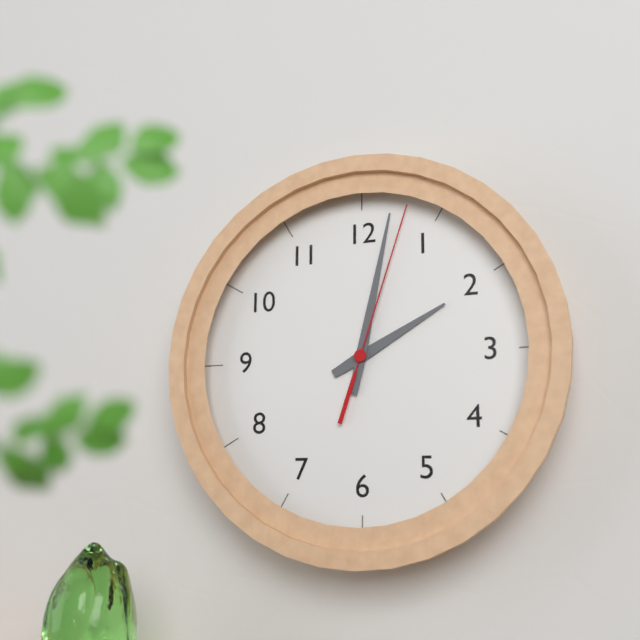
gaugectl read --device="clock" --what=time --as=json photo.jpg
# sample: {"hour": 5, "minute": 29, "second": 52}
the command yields {"hour": 2, "minute": 2, "second": 3}
